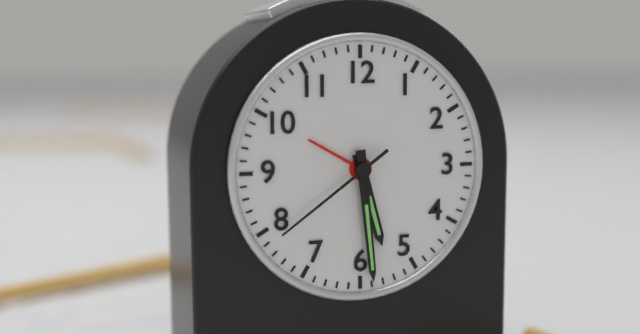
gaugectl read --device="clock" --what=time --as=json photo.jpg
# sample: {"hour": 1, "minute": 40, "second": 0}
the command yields {"hour": 5, "minute": 29, "second": 39}
